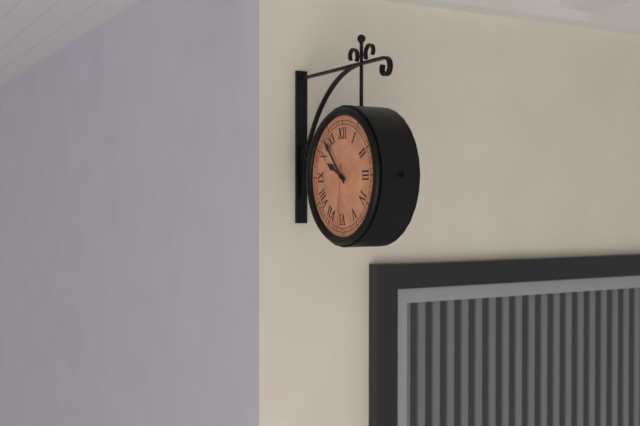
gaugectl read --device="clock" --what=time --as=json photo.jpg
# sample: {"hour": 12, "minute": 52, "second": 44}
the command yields {"hour": 9, "minute": 53, "second": 31}
